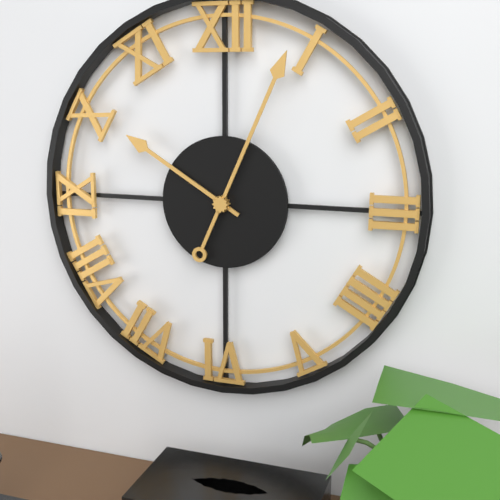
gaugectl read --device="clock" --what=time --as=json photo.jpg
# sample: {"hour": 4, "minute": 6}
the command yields {"hour": 10, "minute": 4}
